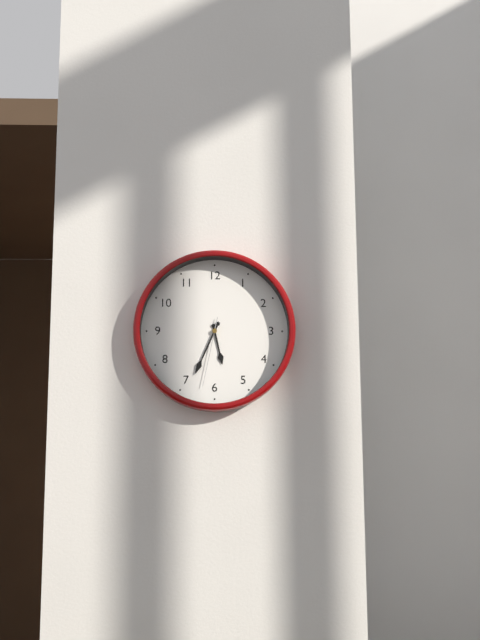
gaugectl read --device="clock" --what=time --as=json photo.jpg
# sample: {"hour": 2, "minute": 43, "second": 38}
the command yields {"hour": 5, "minute": 34, "second": 32}
